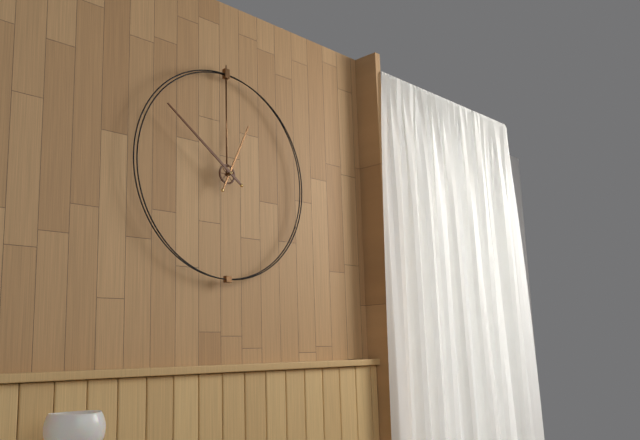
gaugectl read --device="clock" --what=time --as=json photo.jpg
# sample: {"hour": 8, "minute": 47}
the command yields {"hour": 12, "minute": 51}
